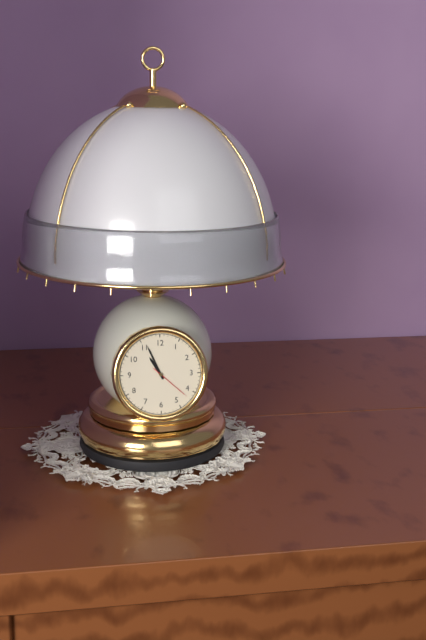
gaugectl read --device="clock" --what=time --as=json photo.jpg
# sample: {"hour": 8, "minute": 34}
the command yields {"hour": 10, "minute": 56}
